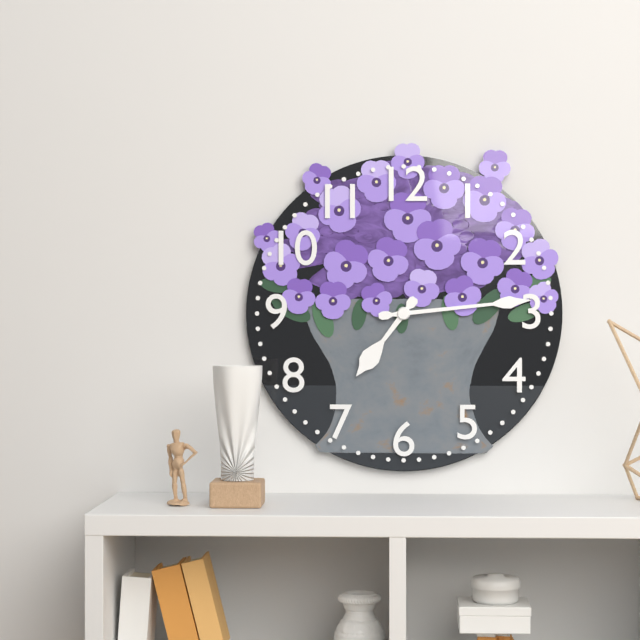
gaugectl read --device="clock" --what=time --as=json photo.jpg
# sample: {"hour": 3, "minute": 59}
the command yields {"hour": 7, "minute": 14}
